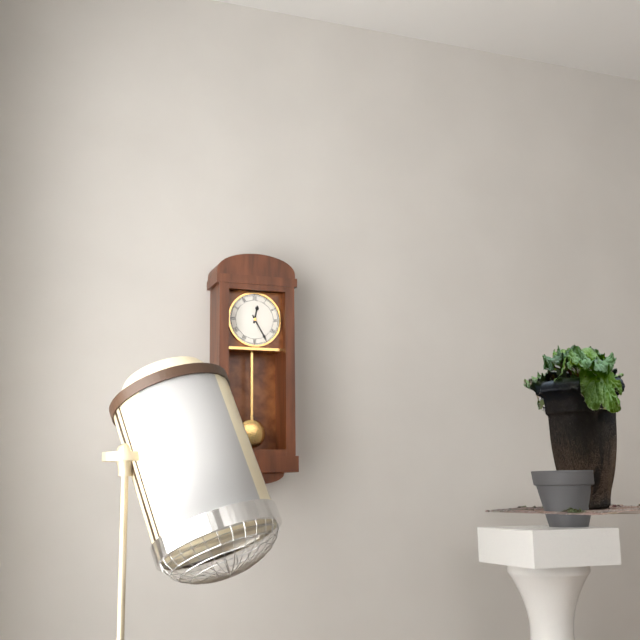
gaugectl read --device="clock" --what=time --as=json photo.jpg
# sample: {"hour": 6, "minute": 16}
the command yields {"hour": 12, "minute": 25}
